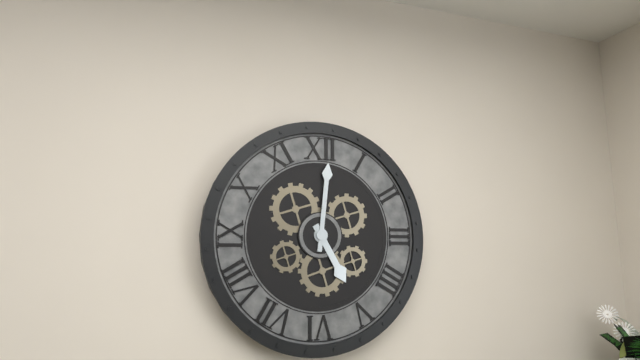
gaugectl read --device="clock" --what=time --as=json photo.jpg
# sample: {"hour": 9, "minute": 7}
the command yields {"hour": 5, "minute": 1}
